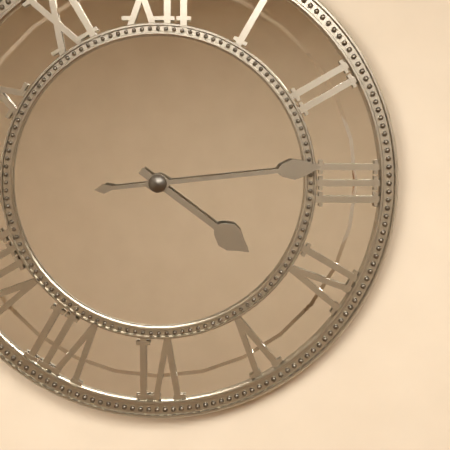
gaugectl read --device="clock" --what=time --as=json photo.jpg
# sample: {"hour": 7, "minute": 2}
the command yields {"hour": 4, "minute": 14}
